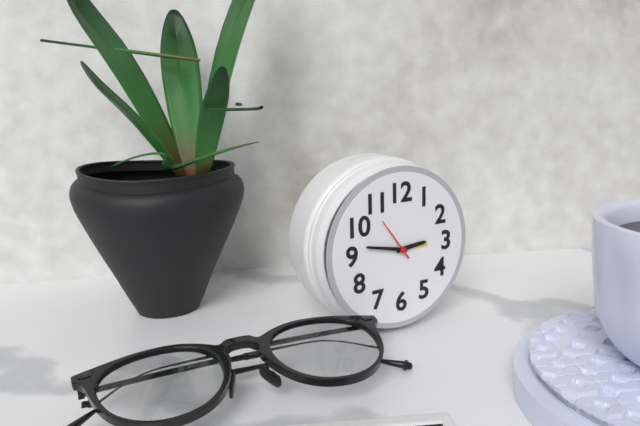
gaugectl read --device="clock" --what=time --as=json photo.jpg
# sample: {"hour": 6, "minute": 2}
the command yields {"hour": 2, "minute": 47}
